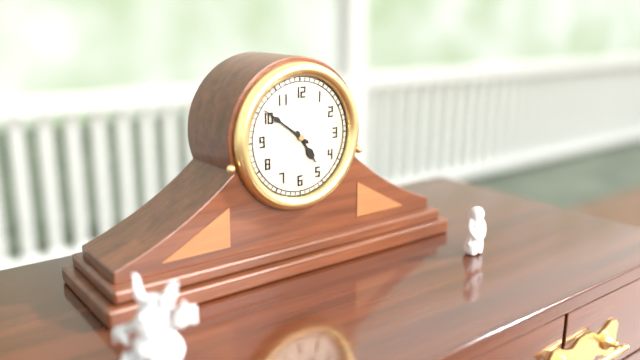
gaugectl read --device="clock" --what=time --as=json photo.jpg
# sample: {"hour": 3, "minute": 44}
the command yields {"hour": 4, "minute": 51}
